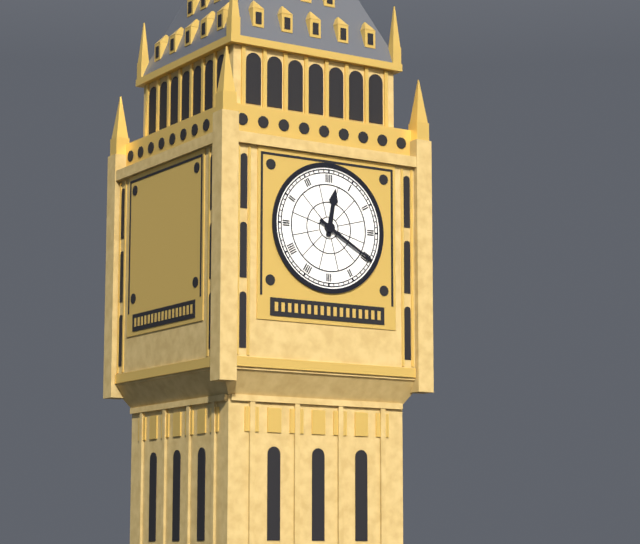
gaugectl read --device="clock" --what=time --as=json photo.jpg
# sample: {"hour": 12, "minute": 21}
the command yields {"hour": 12, "minute": 20}
